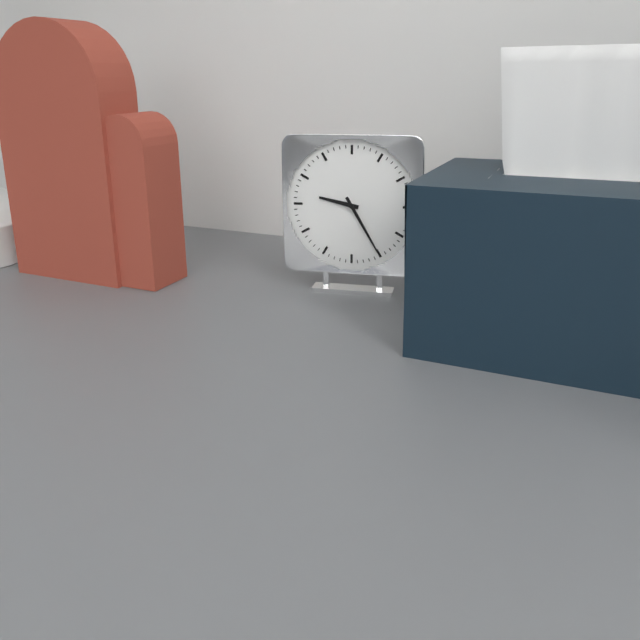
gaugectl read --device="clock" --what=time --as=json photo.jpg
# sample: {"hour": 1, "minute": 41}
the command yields {"hour": 9, "minute": 25}
